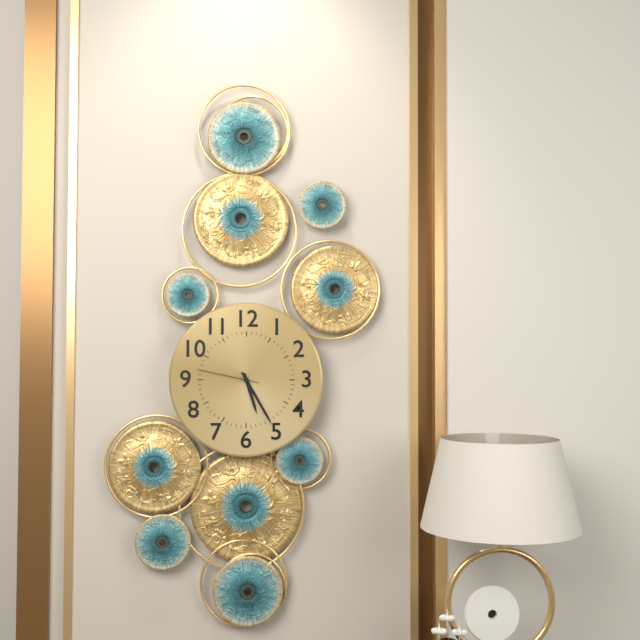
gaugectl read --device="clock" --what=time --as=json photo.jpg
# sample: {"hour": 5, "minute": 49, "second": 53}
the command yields {"hour": 5, "minute": 25, "second": 47}
